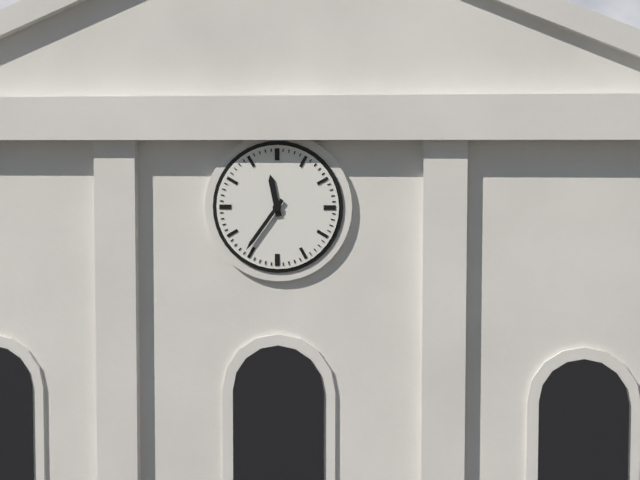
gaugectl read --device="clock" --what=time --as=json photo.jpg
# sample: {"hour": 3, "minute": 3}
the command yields {"hour": 11, "minute": 36}
